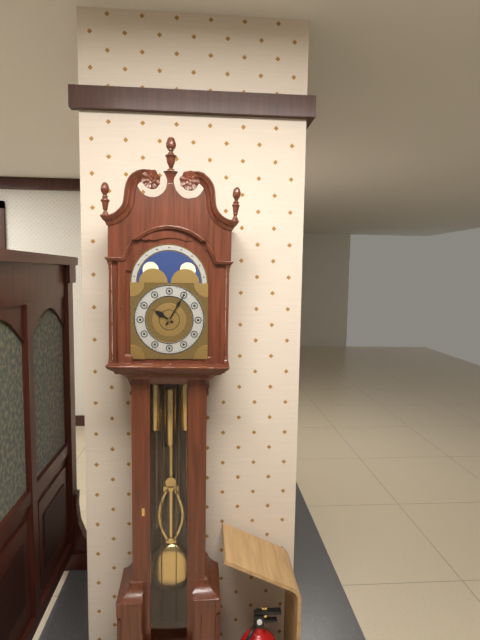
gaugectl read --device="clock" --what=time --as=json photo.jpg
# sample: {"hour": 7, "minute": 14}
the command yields {"hour": 10, "minute": 5}
